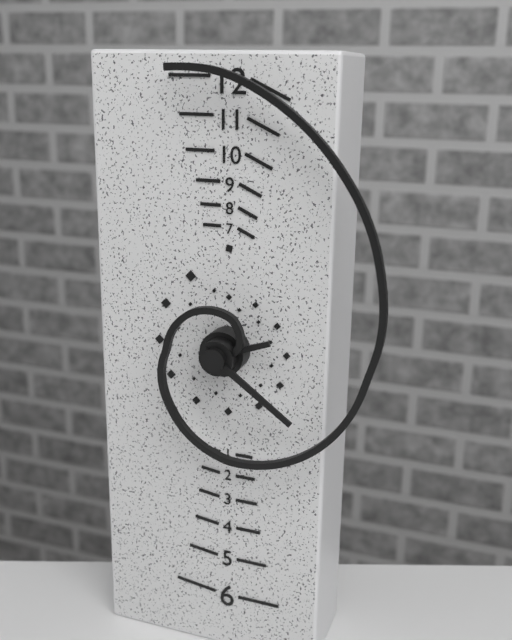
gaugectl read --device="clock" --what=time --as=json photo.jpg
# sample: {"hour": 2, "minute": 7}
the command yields {"hour": 2, "minute": 21}
